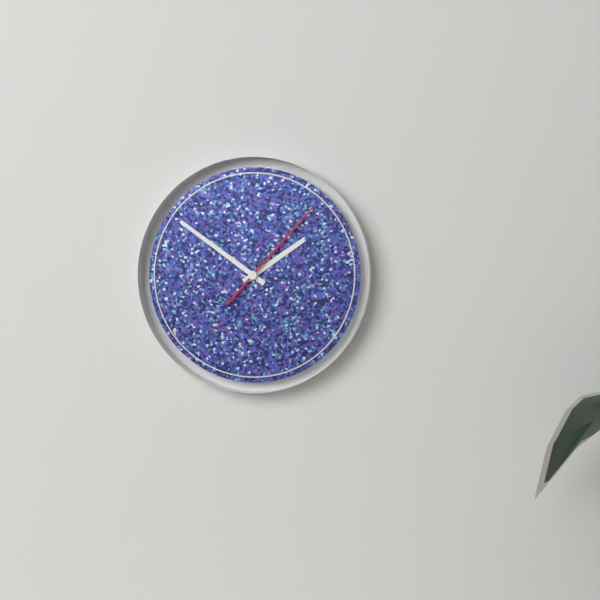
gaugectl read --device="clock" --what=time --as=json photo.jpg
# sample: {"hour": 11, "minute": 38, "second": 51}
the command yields {"hour": 1, "minute": 51, "second": 7}
